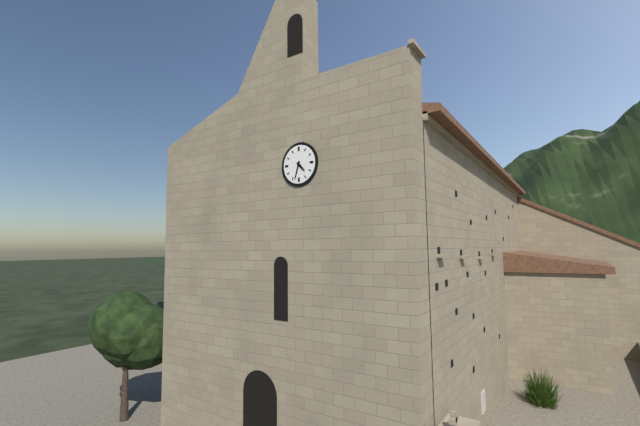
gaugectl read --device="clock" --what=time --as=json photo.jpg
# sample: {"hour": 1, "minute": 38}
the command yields {"hour": 4, "minute": 33}
